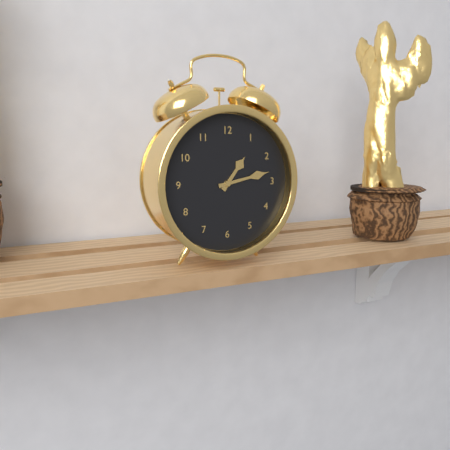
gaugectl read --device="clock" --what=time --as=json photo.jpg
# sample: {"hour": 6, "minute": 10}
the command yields {"hour": 1, "minute": 13}
